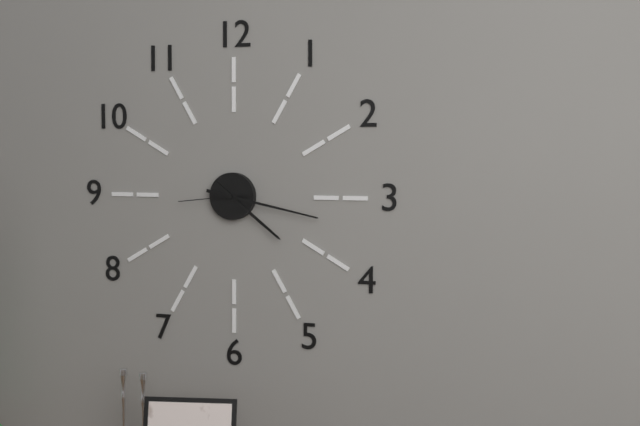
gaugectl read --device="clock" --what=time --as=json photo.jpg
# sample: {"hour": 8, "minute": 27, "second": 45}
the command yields {"hour": 4, "minute": 17, "second": 44}
